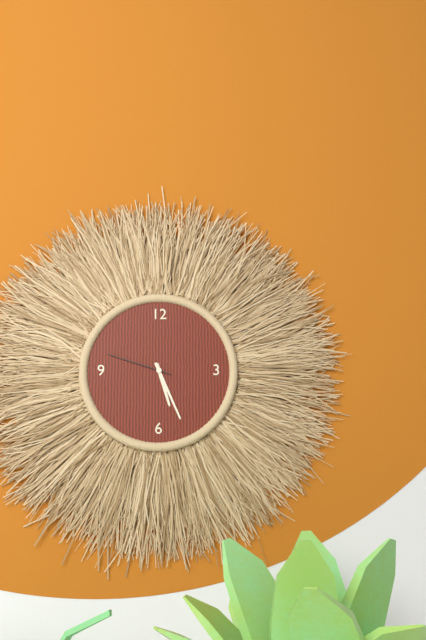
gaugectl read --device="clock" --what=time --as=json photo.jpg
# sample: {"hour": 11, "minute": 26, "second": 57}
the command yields {"hour": 5, "minute": 26, "second": 48}
